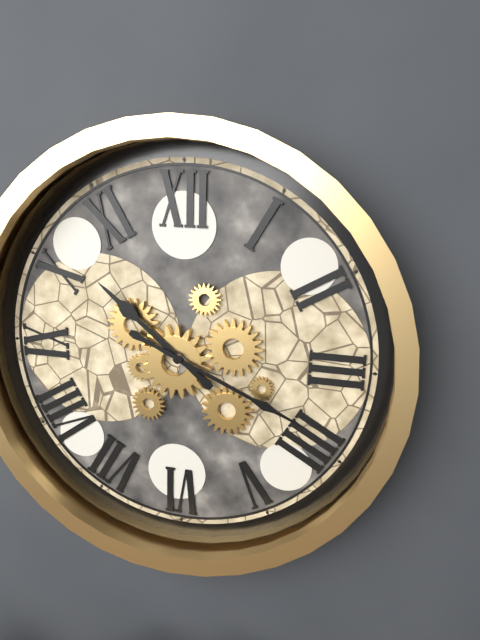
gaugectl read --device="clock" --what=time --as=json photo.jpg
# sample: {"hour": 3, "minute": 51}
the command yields {"hour": 10, "minute": 19}
